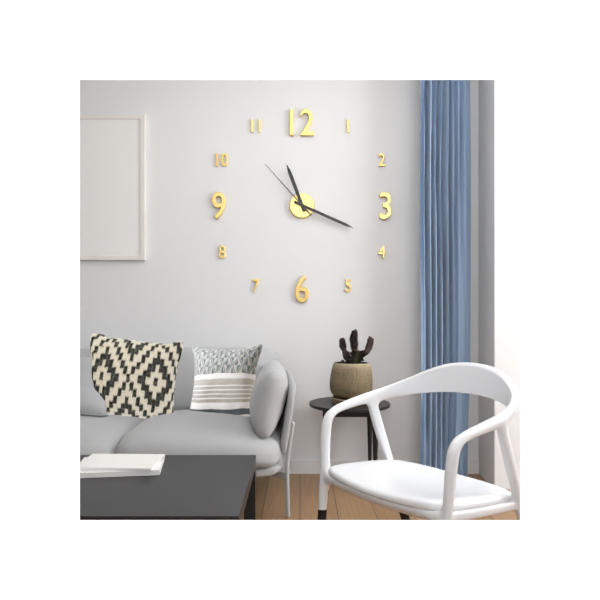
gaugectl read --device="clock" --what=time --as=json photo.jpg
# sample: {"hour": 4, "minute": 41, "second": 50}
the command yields {"hour": 11, "minute": 19, "second": 53}
